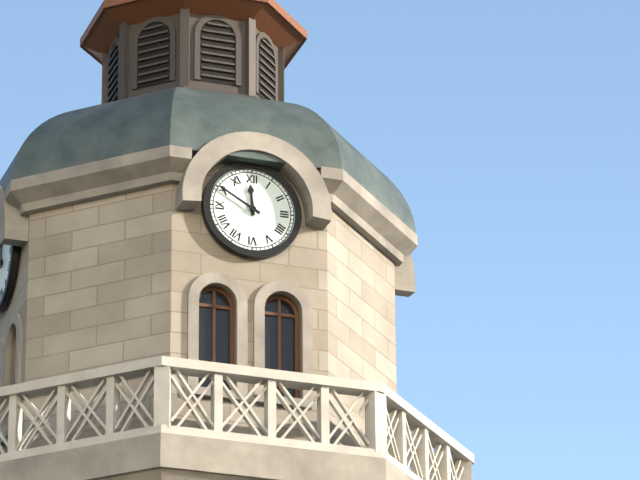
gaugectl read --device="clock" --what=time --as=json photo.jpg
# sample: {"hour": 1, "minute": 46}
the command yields {"hour": 11, "minute": 50}
